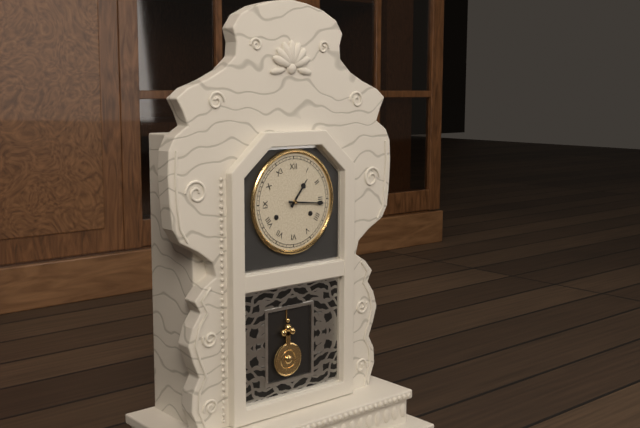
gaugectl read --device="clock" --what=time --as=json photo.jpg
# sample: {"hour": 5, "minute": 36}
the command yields {"hour": 1, "minute": 16}
